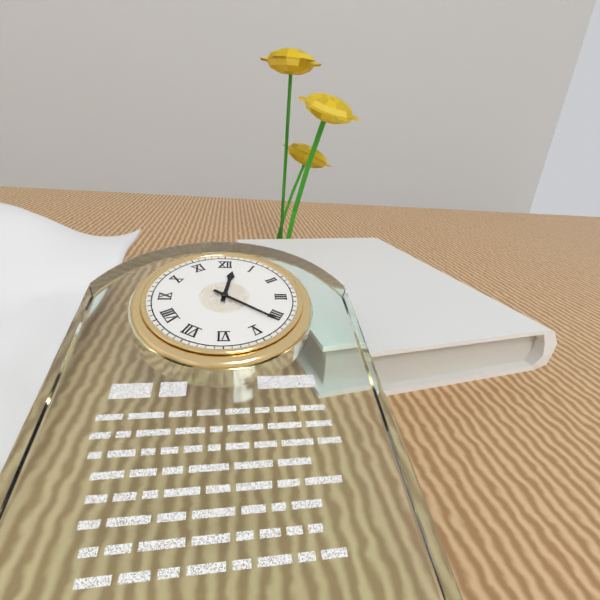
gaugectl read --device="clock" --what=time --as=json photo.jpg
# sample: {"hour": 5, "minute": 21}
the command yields {"hour": 12, "minute": 21}
